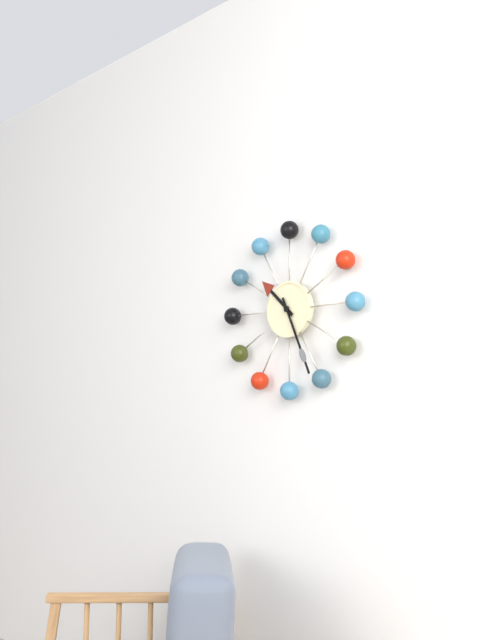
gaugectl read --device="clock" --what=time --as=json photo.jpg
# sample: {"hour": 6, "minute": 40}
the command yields {"hour": 10, "minute": 26}
